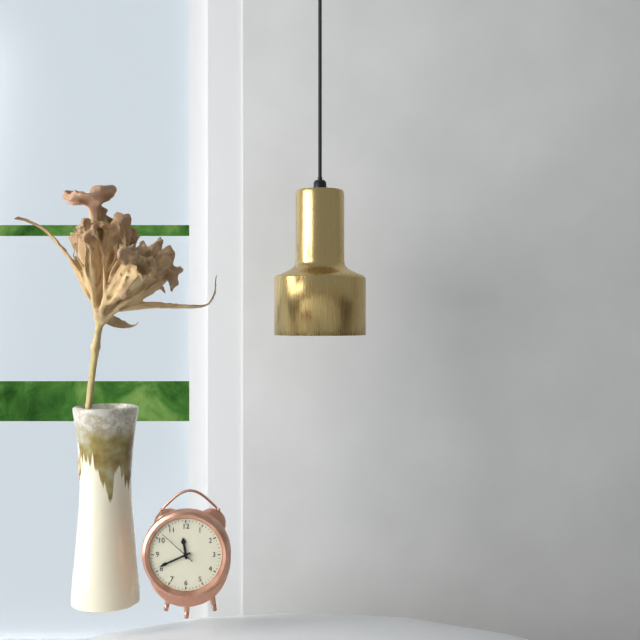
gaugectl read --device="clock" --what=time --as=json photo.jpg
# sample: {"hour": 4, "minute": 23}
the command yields {"hour": 11, "minute": 41}
